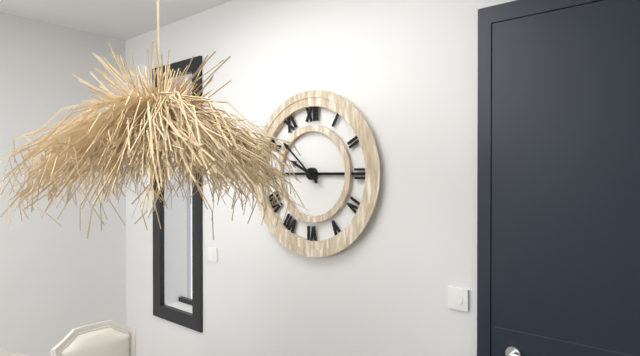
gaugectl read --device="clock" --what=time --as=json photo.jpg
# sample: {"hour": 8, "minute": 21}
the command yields {"hour": 9, "minute": 52}
